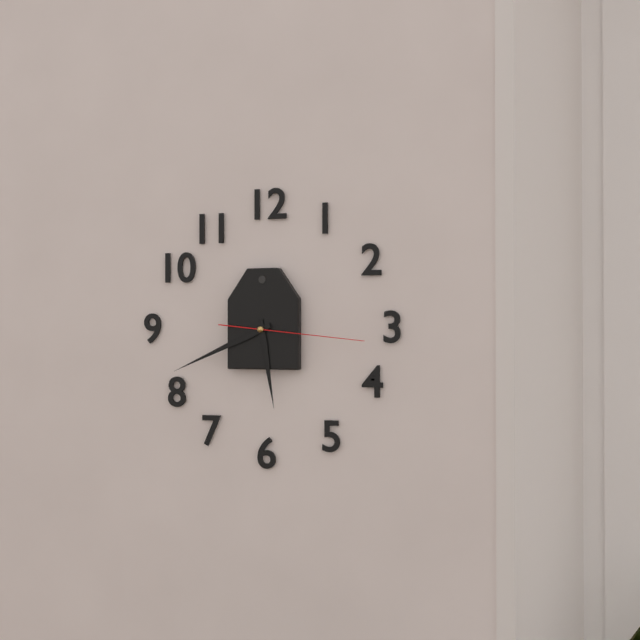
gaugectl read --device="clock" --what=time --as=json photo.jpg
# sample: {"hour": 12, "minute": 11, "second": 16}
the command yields {"hour": 5, "minute": 41, "second": 16}
